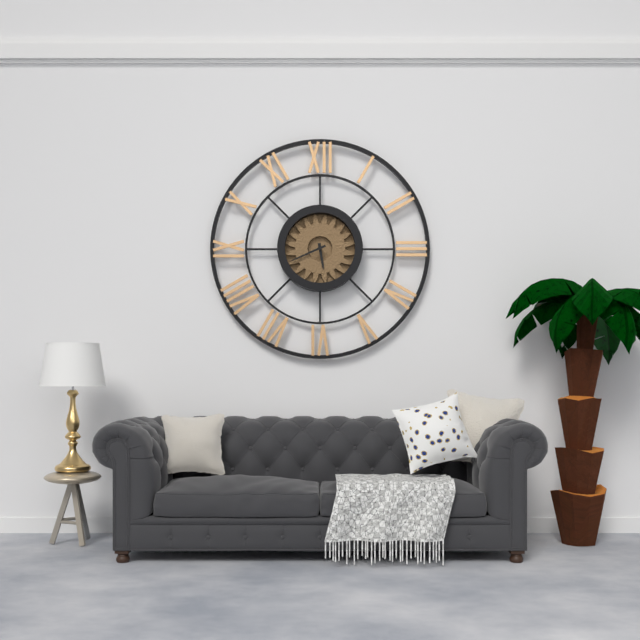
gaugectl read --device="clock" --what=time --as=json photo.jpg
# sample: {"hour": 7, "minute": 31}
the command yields {"hour": 5, "minute": 41}
